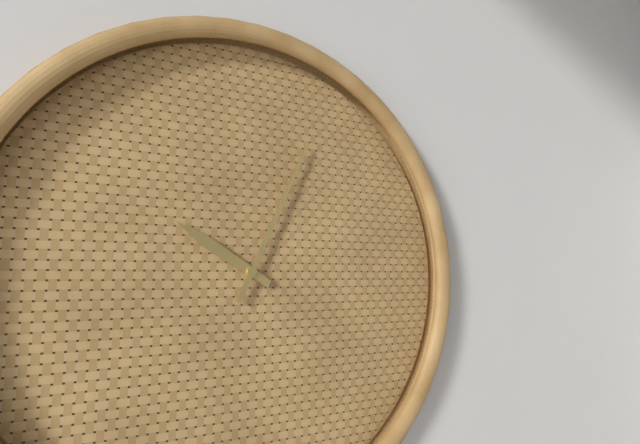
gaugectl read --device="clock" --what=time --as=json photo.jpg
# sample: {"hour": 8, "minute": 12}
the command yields {"hour": 10, "minute": 4}
